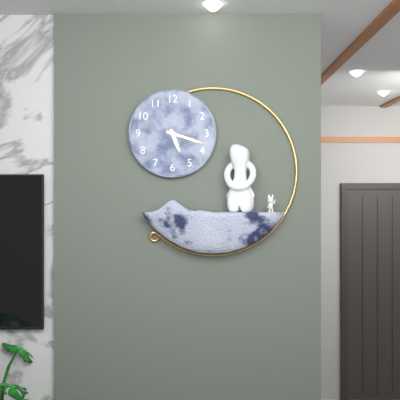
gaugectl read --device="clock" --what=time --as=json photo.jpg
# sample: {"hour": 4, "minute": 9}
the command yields {"hour": 5, "minute": 18}
